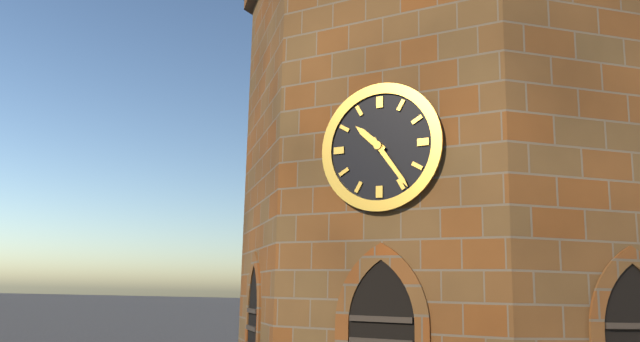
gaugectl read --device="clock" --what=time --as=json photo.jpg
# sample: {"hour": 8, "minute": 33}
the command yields {"hour": 10, "minute": 24}
